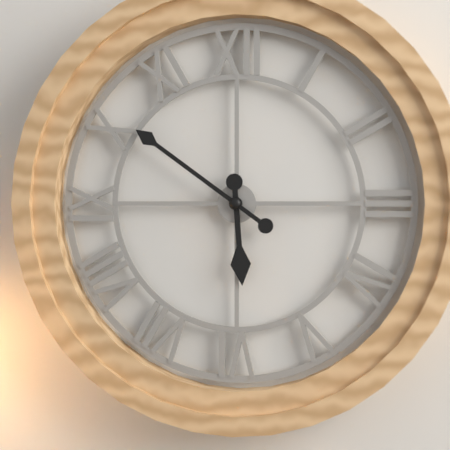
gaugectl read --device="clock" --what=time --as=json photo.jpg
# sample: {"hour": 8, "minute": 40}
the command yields {"hour": 5, "minute": 51}
